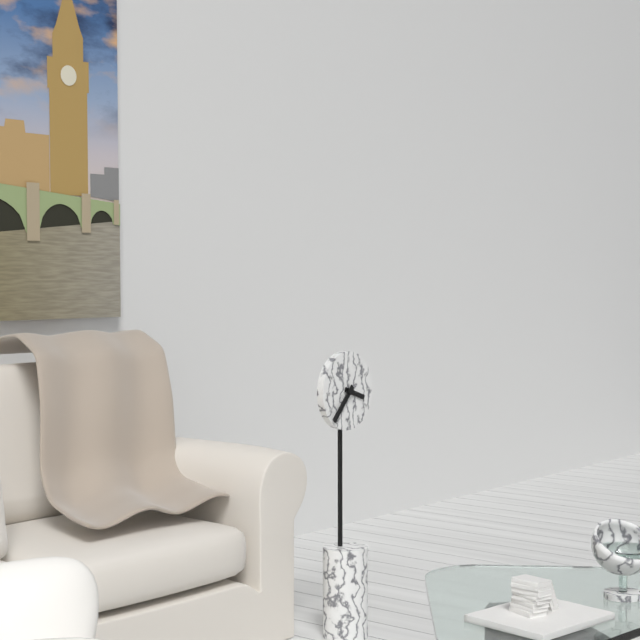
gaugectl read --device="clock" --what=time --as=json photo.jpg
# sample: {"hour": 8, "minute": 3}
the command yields {"hour": 3, "minute": 37}
